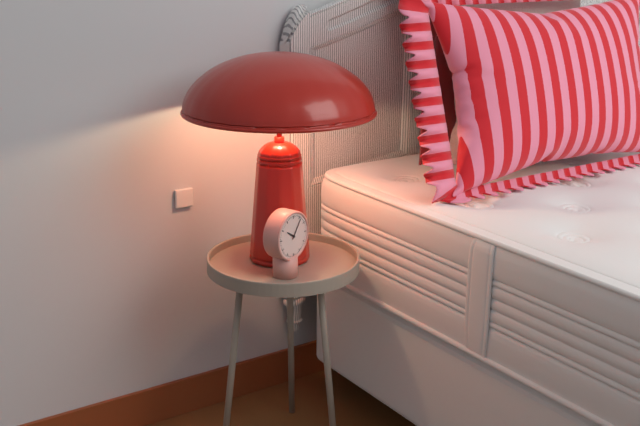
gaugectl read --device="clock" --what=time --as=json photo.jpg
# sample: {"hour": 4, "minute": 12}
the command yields {"hour": 10, "minute": 6}
